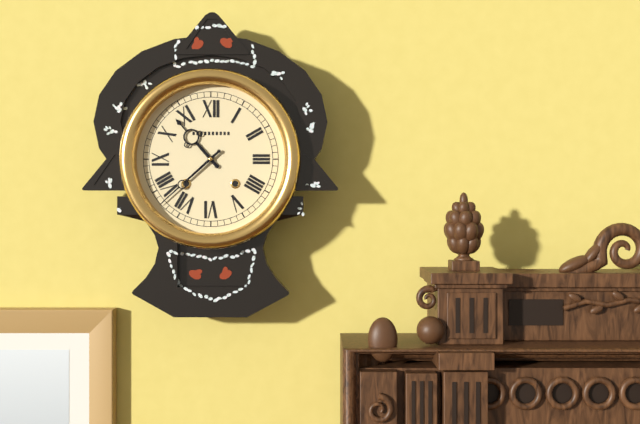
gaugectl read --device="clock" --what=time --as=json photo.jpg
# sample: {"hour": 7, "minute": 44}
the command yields {"hour": 10, "minute": 38}
